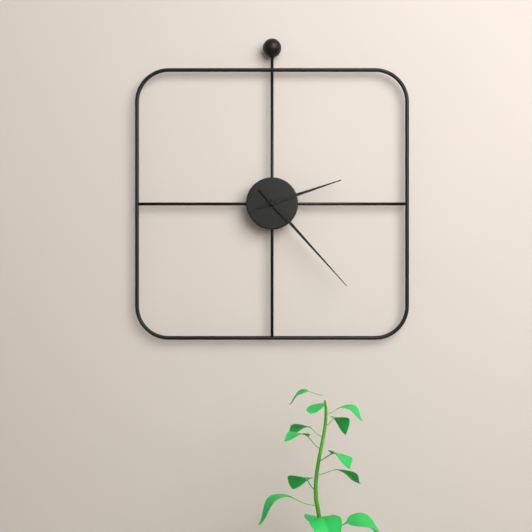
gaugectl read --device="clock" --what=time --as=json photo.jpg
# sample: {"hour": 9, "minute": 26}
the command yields {"hour": 2, "minute": 23}
